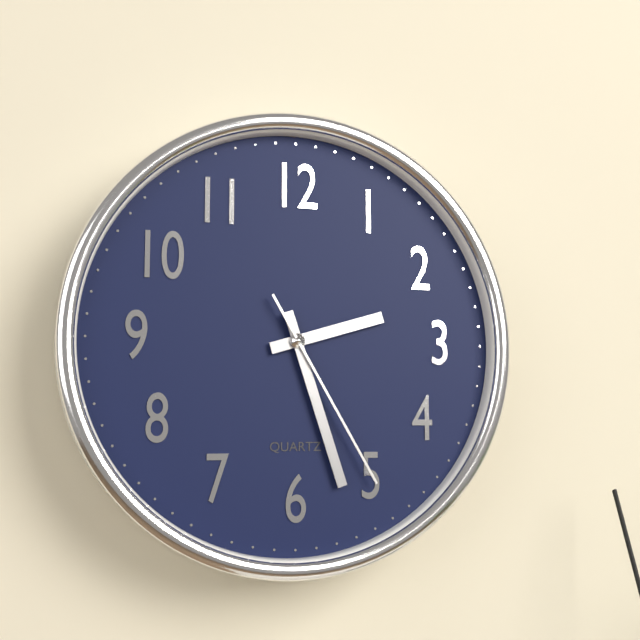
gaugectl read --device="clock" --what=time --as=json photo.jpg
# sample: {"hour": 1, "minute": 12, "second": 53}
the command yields {"hour": 2, "minute": 27, "second": 25}
